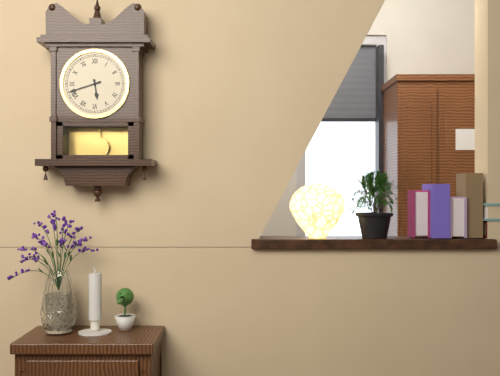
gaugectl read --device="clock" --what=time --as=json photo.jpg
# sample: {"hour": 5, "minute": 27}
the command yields {"hour": 5, "minute": 42}
